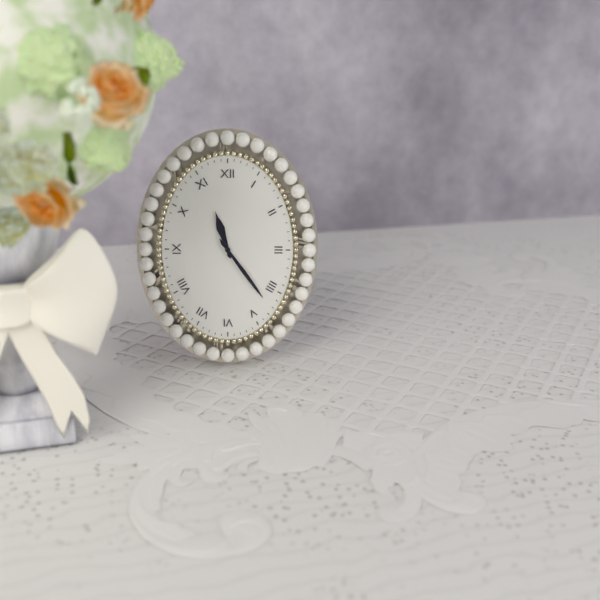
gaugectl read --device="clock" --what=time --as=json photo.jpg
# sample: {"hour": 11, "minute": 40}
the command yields {"hour": 11, "minute": 24}
